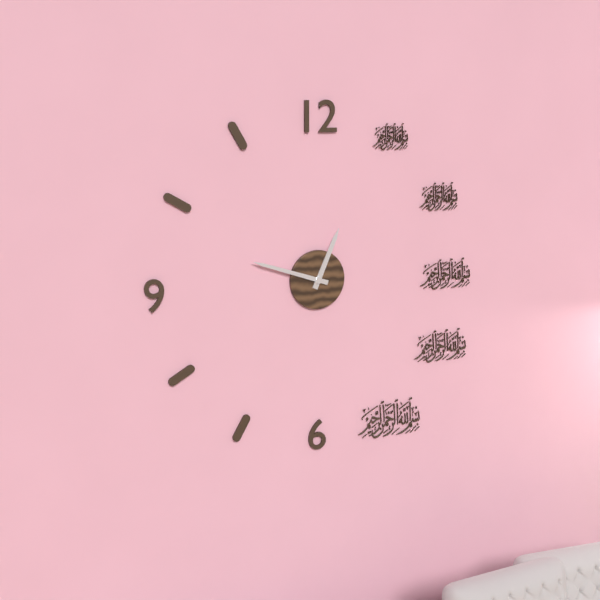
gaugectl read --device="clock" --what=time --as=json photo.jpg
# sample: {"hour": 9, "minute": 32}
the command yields {"hour": 12, "minute": 48}
